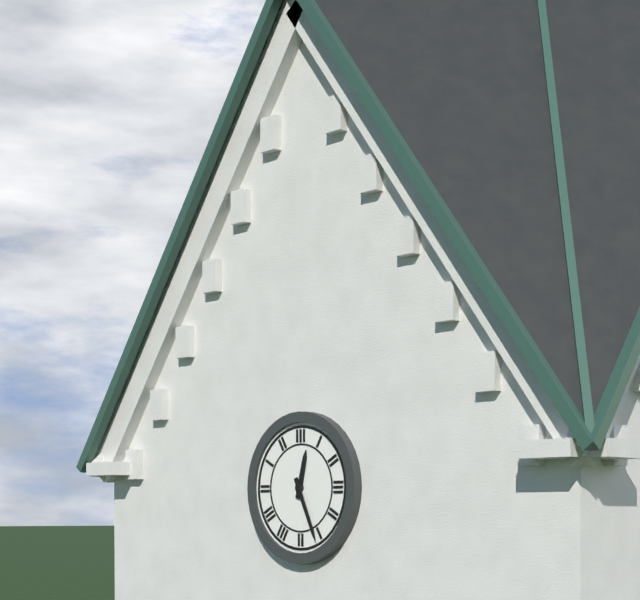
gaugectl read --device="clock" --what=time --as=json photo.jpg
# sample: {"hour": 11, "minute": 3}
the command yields {"hour": 12, "minute": 26}
